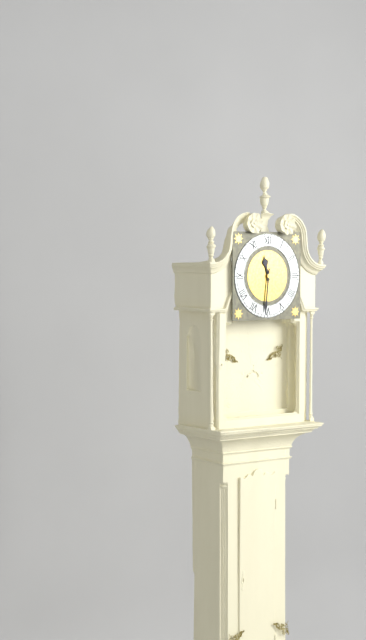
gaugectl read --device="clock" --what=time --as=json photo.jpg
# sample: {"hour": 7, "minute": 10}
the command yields {"hour": 11, "minute": 31}
